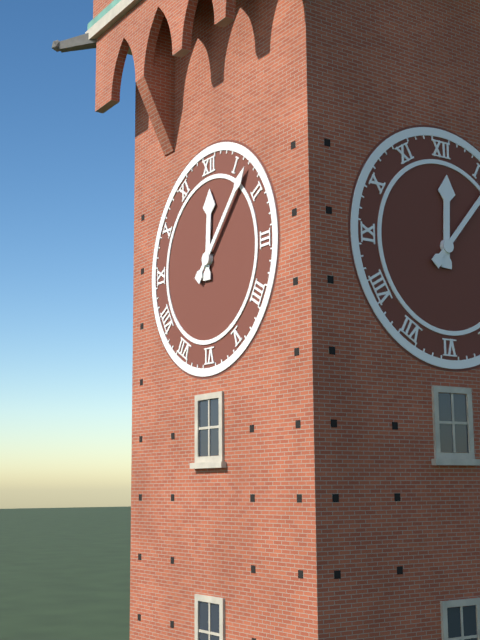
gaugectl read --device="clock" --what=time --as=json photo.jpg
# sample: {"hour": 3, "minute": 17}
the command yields {"hour": 12, "minute": 7}
